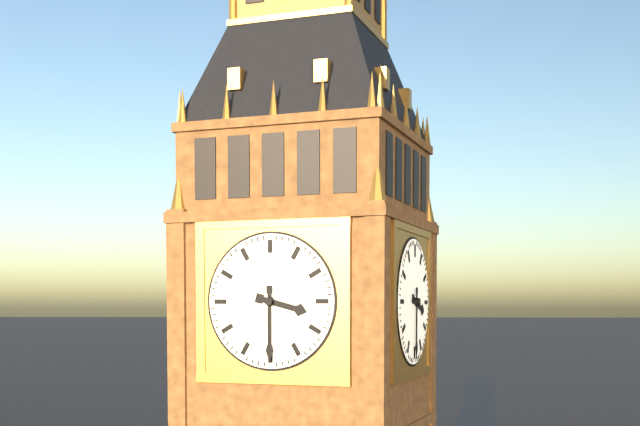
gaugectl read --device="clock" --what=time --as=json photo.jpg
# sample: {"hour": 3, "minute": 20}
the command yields {"hour": 3, "minute": 30}
